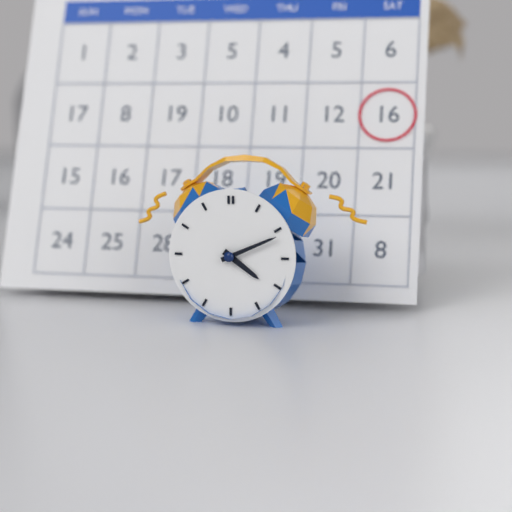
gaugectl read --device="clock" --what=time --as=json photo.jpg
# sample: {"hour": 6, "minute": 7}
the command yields {"hour": 4, "minute": 11}
